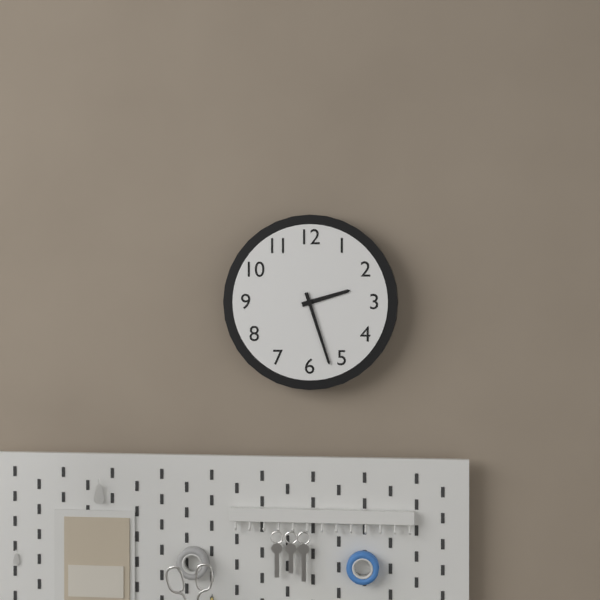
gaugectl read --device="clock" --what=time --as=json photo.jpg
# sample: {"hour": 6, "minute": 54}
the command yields {"hour": 2, "minute": 27}
